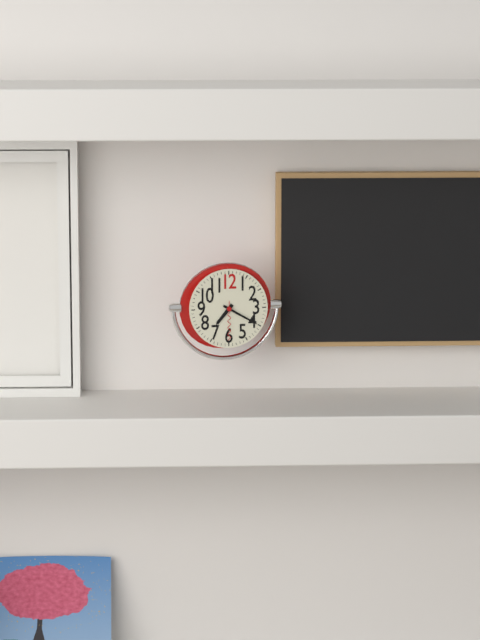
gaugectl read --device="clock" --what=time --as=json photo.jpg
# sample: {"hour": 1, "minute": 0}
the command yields {"hour": 7, "minute": 20}
